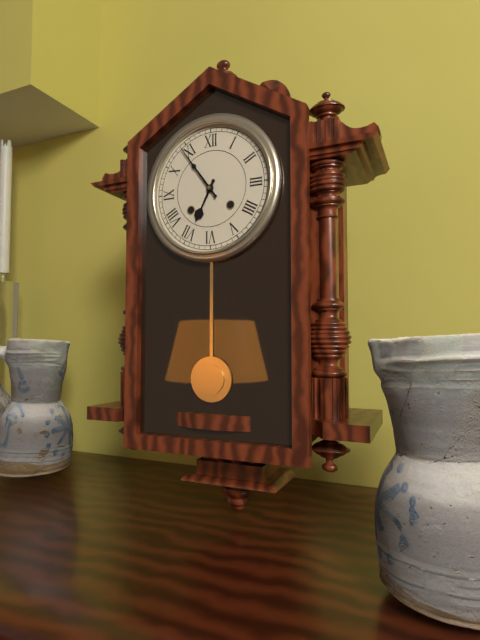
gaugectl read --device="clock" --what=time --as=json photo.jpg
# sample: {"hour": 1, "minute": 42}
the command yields {"hour": 6, "minute": 54}
